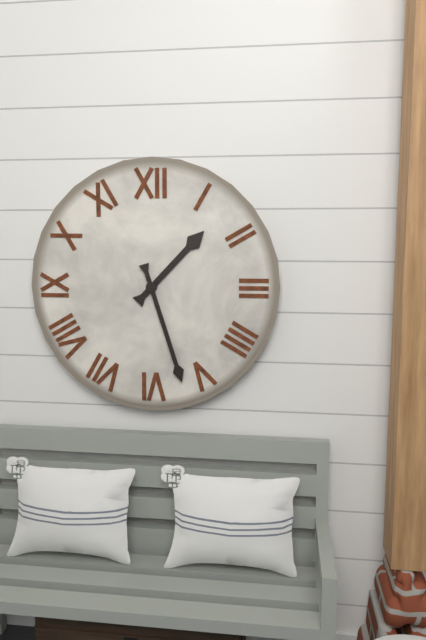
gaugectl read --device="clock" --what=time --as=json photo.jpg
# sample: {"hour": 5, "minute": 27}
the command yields {"hour": 1, "minute": 27}
